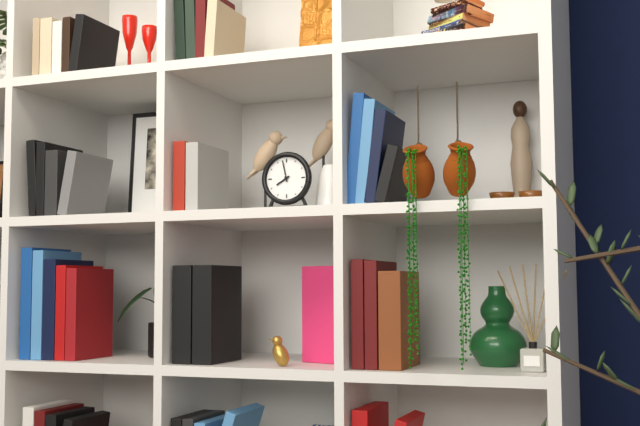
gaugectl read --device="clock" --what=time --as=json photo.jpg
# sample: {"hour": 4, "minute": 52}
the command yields {"hour": 7, "minute": 58}
